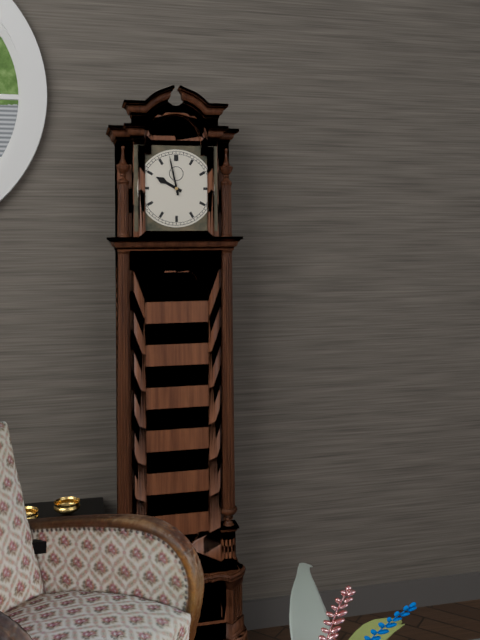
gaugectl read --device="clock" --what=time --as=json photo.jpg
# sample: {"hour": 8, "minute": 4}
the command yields {"hour": 9, "minute": 58}
